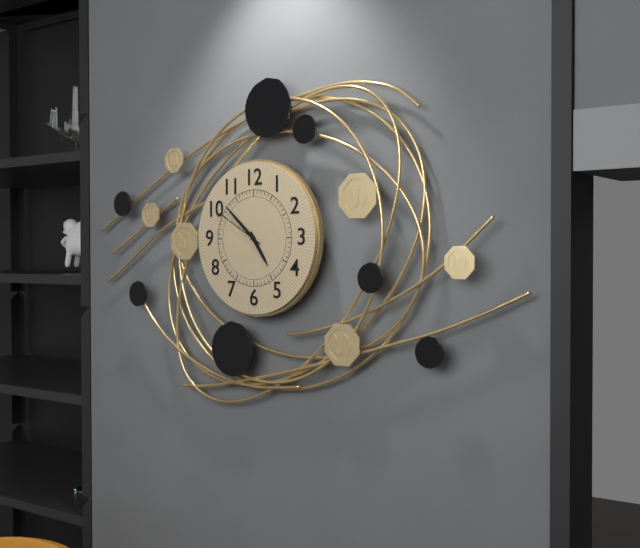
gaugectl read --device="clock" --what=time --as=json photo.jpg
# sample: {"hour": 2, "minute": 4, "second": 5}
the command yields {"hour": 4, "minute": 52, "second": 50}
